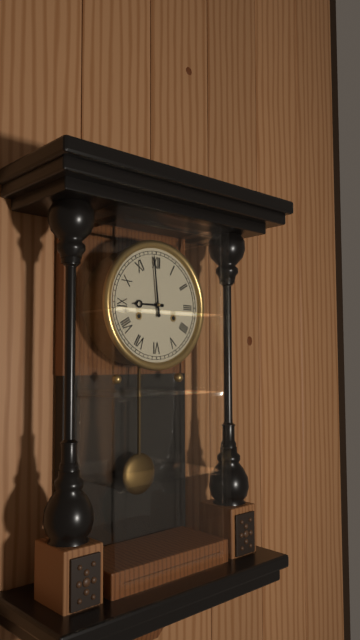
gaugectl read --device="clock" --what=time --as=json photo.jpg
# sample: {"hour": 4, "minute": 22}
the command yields {"hour": 8, "minute": 59}
